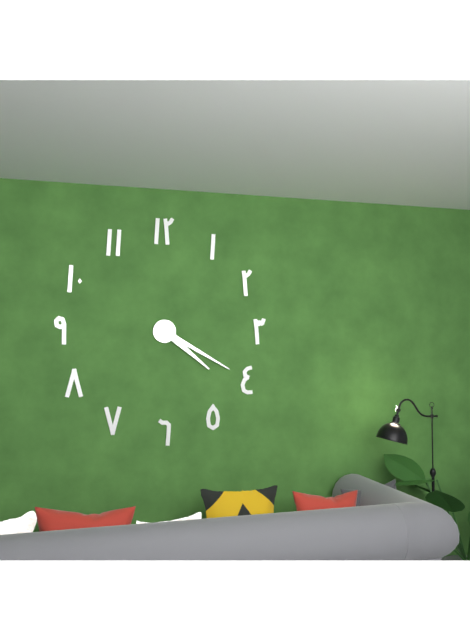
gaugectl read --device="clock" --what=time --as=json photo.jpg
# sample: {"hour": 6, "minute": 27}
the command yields {"hour": 4, "minute": 20}
